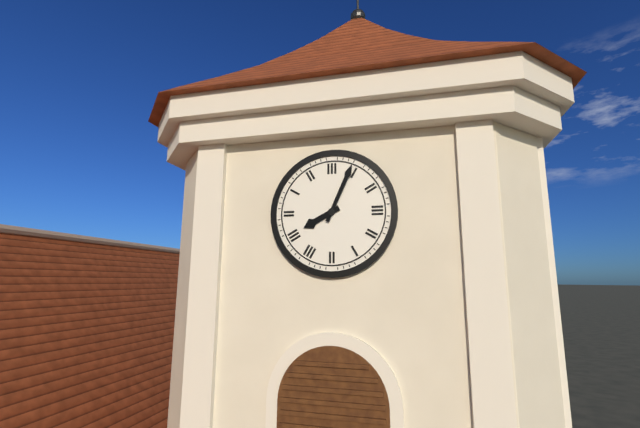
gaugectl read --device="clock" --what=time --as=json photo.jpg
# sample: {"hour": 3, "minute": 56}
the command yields {"hour": 8, "minute": 4}
